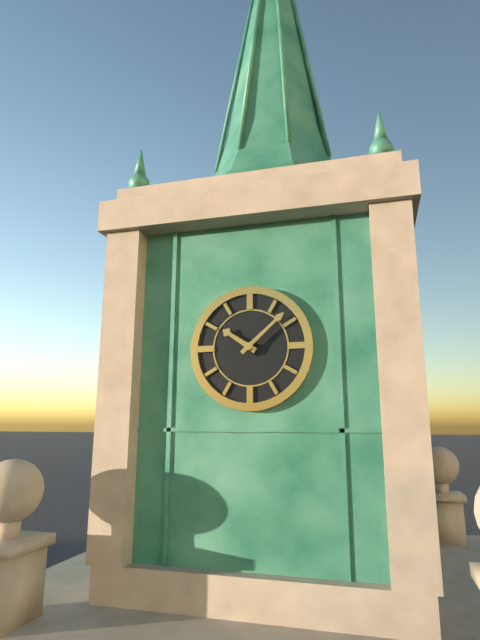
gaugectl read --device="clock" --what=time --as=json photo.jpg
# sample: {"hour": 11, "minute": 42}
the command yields {"hour": 10, "minute": 8}
